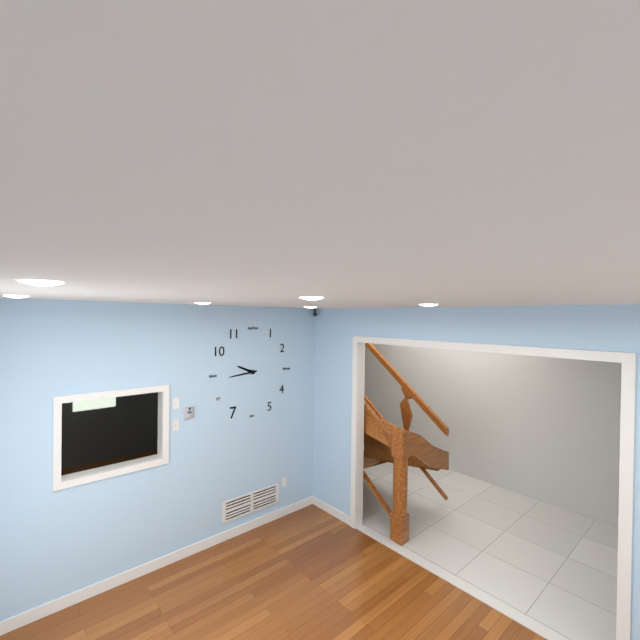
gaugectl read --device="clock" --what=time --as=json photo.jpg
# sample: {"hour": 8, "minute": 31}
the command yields {"hour": 9, "minute": 44}
